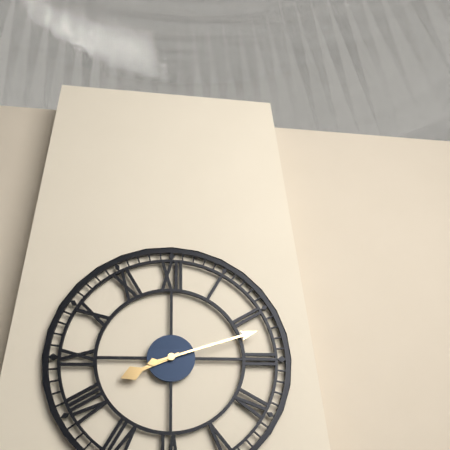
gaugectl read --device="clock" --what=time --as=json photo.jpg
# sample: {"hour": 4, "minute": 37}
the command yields {"hour": 8, "minute": 12}
